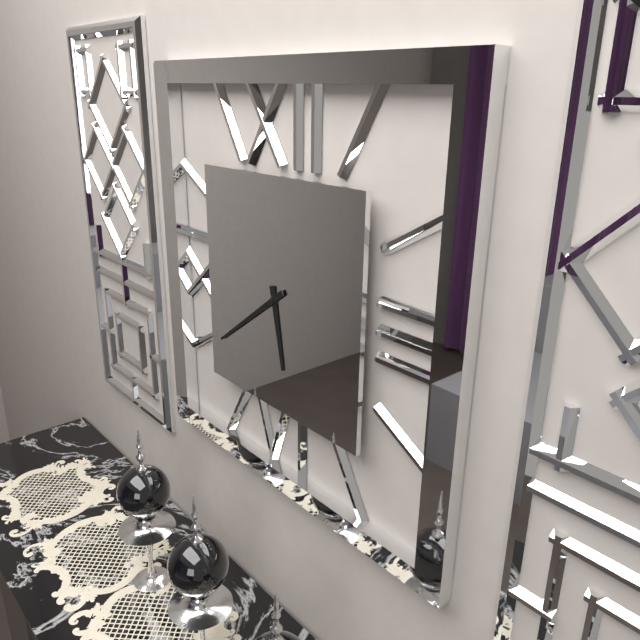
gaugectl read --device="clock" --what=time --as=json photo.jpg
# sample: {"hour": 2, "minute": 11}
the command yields {"hour": 5, "minute": 39}
